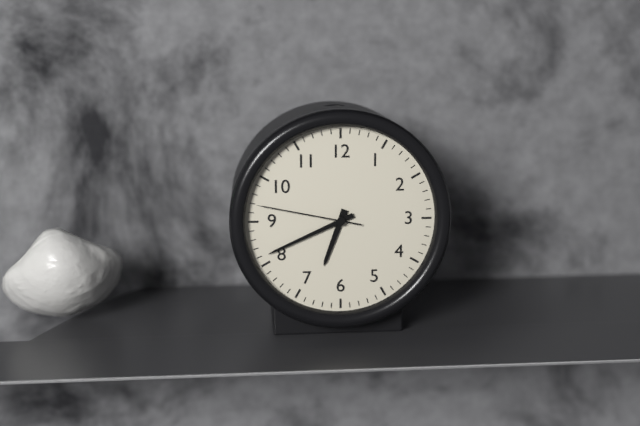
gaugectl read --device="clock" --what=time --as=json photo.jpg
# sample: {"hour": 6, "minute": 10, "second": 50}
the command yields {"hour": 6, "minute": 41, "second": 47}
